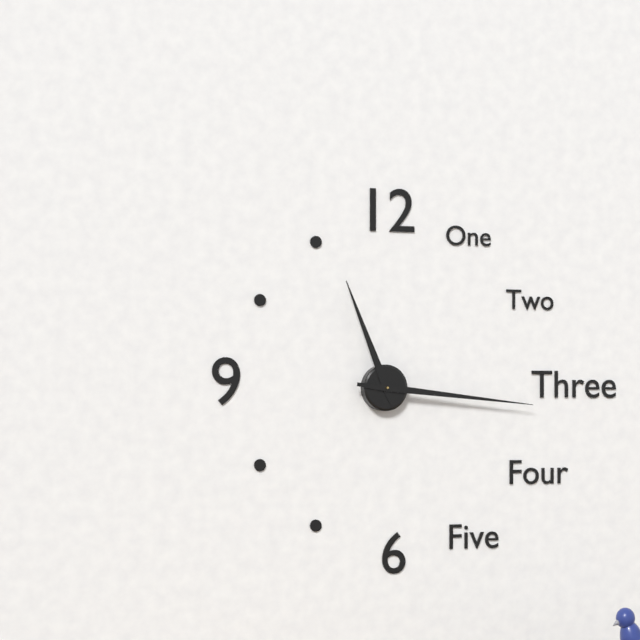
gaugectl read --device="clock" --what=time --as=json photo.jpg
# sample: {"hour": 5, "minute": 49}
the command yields {"hour": 11, "minute": 16}
